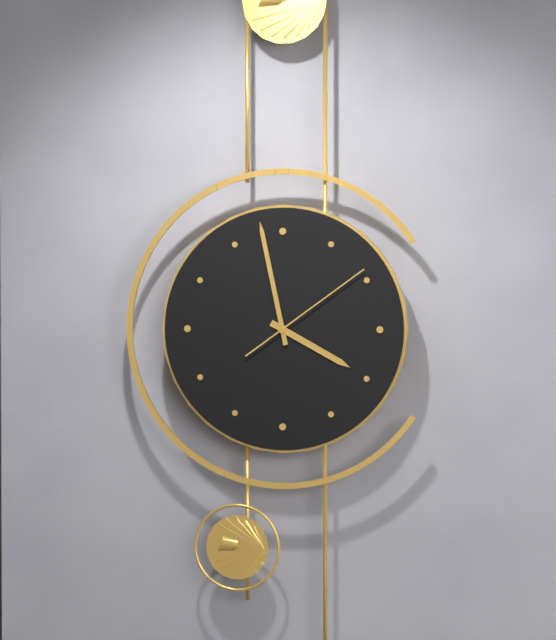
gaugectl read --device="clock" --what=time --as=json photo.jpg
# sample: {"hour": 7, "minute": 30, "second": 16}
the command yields {"hour": 3, "minute": 58, "second": 9}
